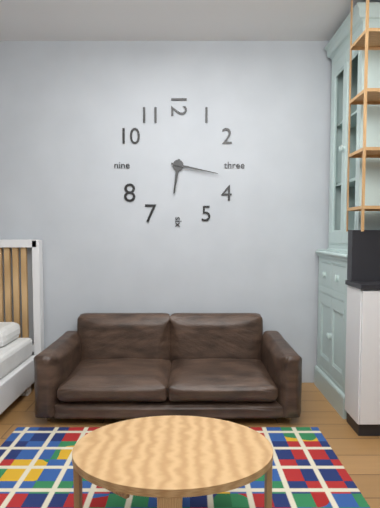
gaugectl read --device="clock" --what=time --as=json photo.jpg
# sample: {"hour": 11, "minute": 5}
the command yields {"hour": 6, "minute": 17}
